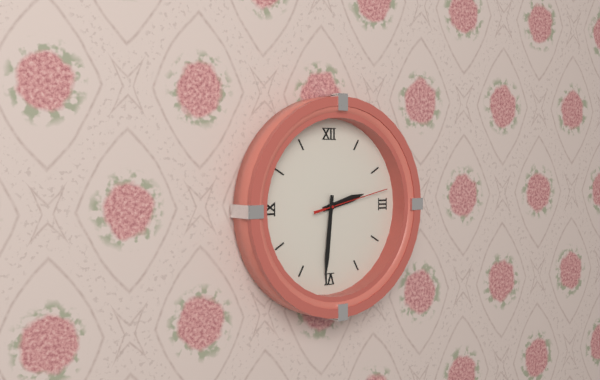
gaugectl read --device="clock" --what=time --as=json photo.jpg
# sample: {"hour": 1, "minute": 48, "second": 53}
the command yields {"hour": 2, "minute": 31, "second": 13}
